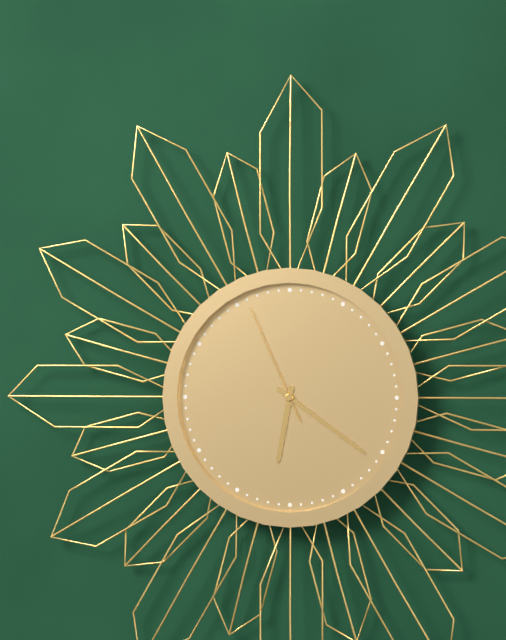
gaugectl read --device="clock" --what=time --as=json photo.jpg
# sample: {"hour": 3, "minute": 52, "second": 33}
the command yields {"hour": 6, "minute": 21, "second": 56}
